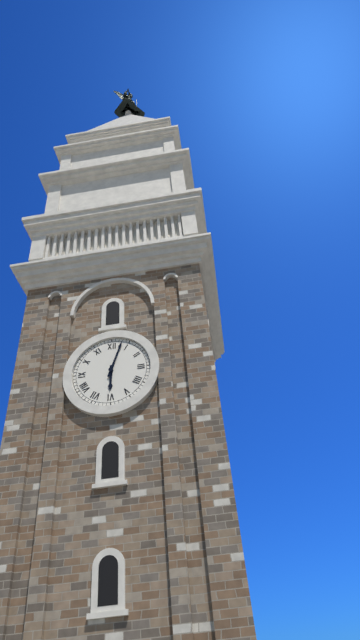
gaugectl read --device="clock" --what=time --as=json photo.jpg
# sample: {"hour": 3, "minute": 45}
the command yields {"hour": 6, "minute": 3}
